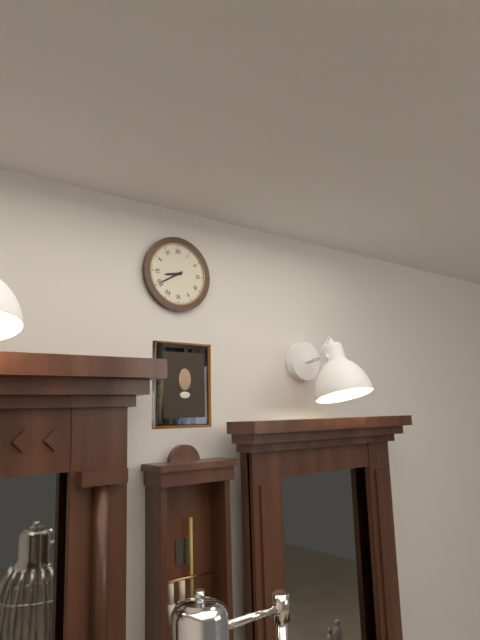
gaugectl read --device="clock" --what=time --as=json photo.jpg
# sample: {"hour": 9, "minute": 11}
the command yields {"hour": 8, "minute": 40}
